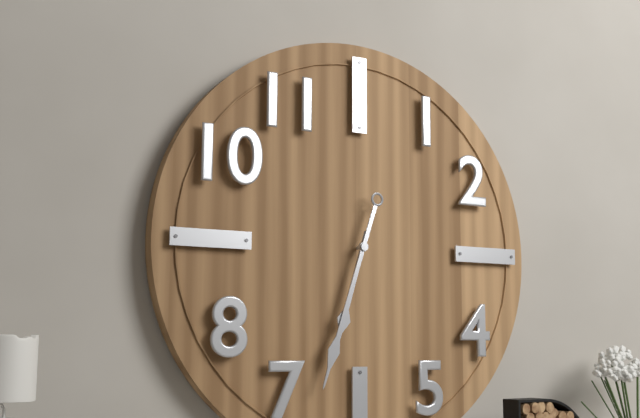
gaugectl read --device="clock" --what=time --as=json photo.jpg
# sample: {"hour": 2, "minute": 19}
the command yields {"hour": 6, "minute": 33}
